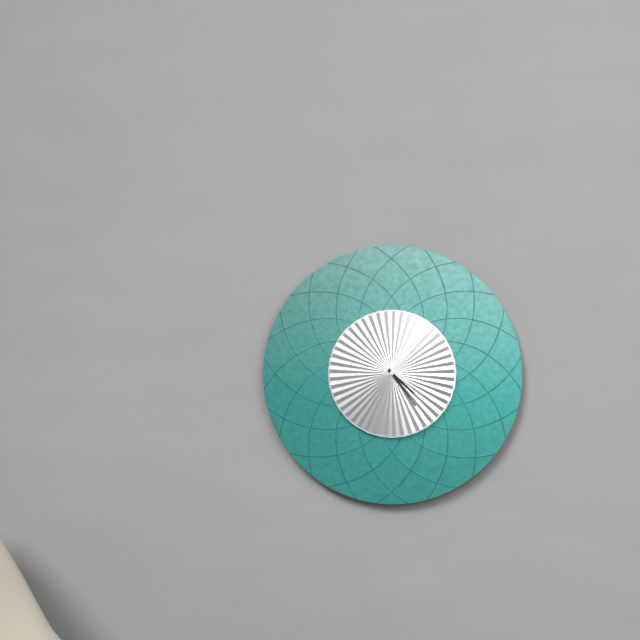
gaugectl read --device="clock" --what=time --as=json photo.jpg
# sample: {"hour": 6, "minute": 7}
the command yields {"hour": 4, "minute": 24}
